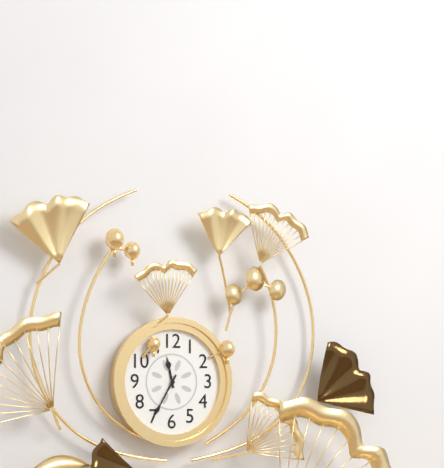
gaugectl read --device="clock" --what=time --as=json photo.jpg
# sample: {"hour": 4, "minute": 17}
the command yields {"hour": 11, "minute": 35}
